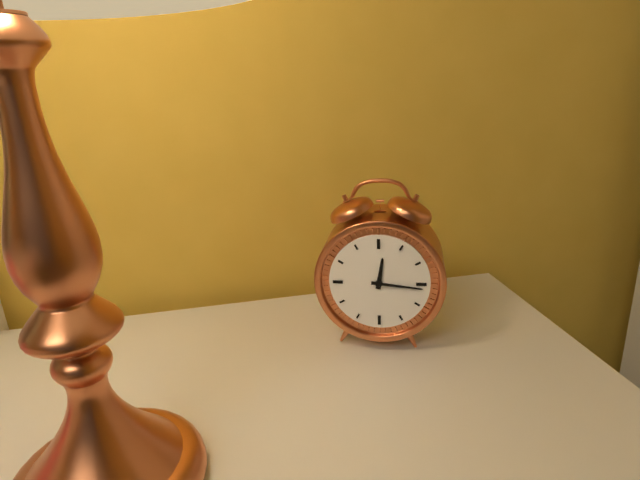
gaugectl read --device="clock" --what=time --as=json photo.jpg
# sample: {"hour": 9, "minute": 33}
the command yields {"hour": 12, "minute": 16}
